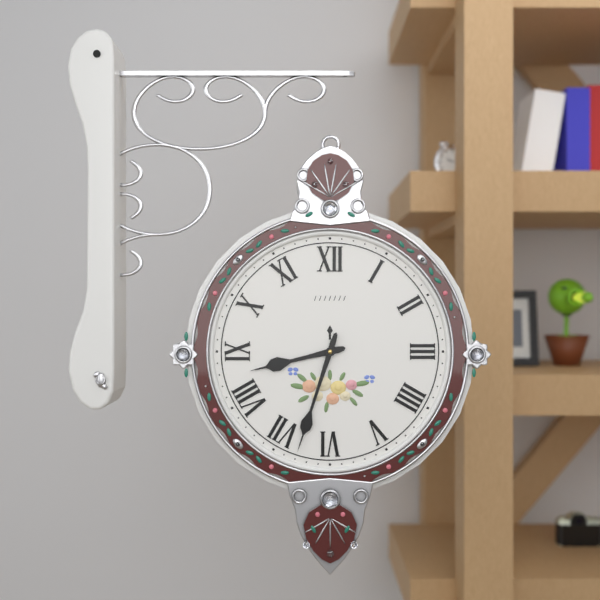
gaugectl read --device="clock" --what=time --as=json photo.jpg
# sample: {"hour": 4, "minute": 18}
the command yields {"hour": 8, "minute": 33}
